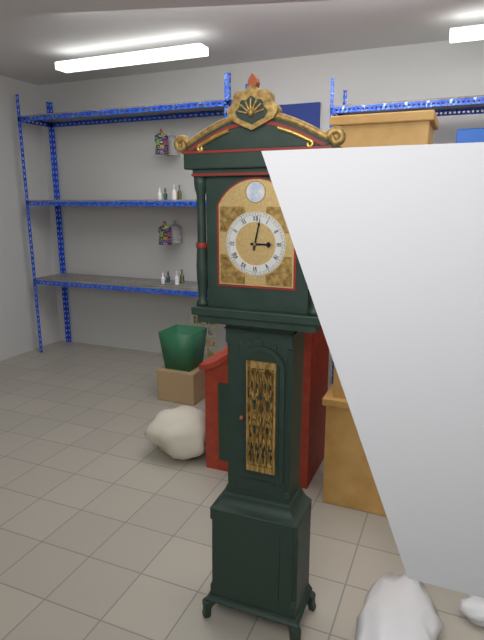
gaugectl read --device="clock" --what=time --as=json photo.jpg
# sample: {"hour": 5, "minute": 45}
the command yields {"hour": 3, "minute": 2}
